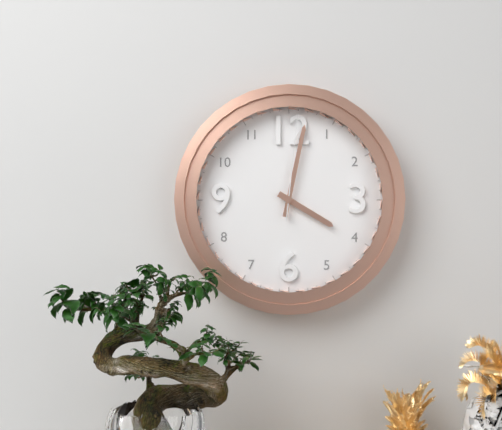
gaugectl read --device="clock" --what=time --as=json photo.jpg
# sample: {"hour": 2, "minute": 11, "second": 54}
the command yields {"hour": 4, "minute": 2, "second": 1}
